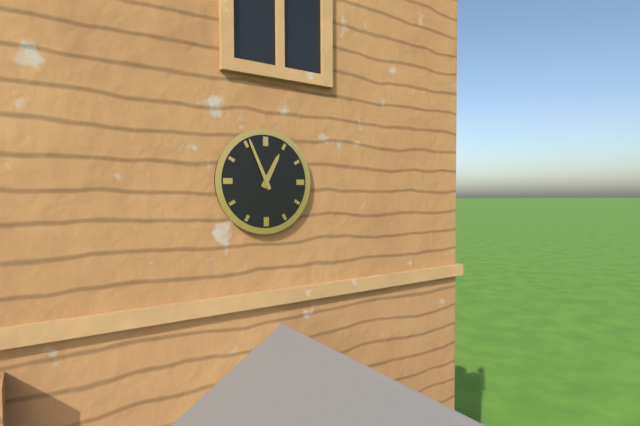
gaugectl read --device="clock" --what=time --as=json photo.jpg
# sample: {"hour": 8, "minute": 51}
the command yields {"hour": 12, "minute": 56}
